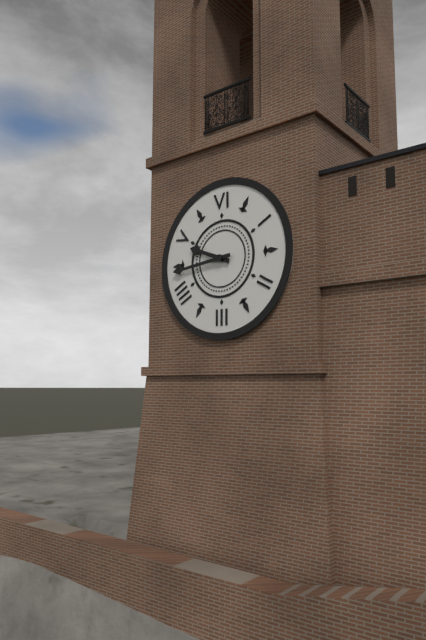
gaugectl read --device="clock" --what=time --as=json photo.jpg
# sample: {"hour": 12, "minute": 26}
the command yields {"hour": 9, "minute": 44}
